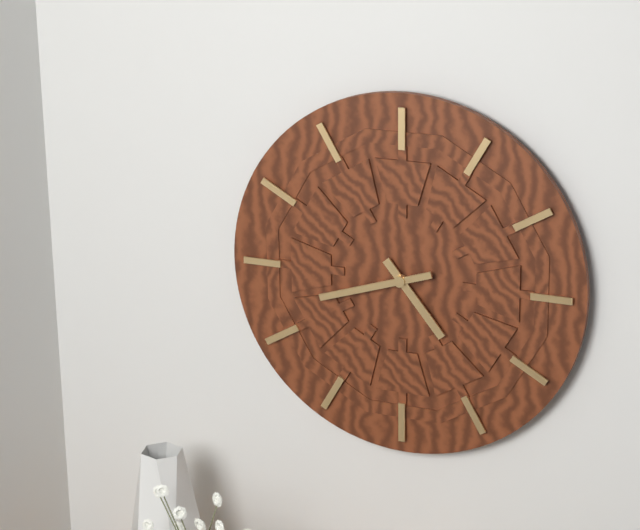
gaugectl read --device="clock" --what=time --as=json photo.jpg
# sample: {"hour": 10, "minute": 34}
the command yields {"hour": 4, "minute": 42}
